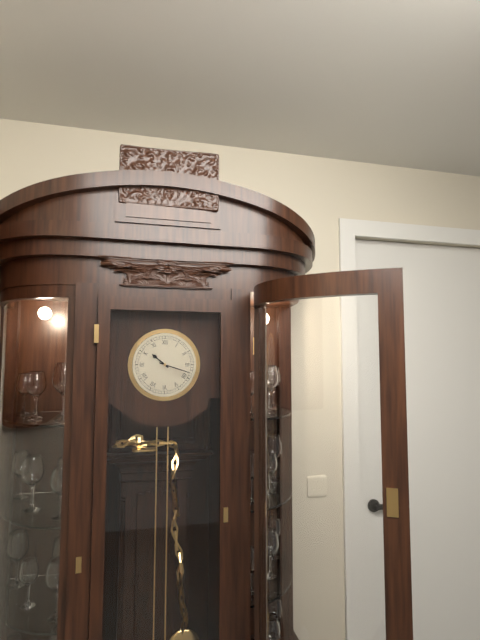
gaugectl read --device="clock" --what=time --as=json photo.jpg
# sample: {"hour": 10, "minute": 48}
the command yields {"hour": 10, "minute": 18}
